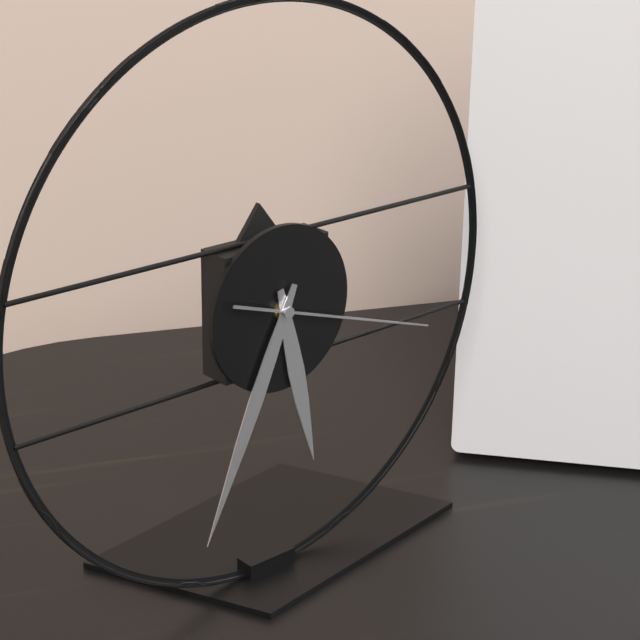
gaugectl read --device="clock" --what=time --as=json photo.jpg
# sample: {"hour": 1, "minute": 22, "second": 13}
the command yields {"hour": 5, "minute": 34, "second": 18}
